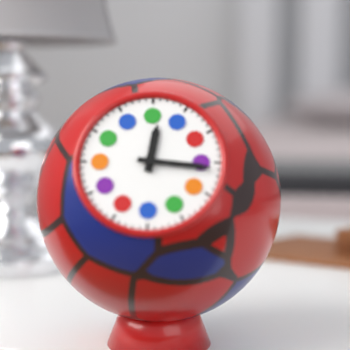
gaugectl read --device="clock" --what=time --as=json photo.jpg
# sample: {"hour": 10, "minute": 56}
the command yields {"hour": 12, "minute": 16}
